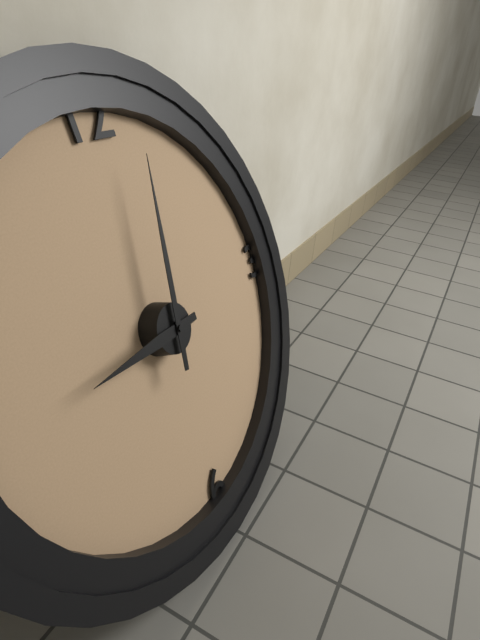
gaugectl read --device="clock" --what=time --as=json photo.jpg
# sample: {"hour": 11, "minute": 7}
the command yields {"hour": 9, "minute": 2}
